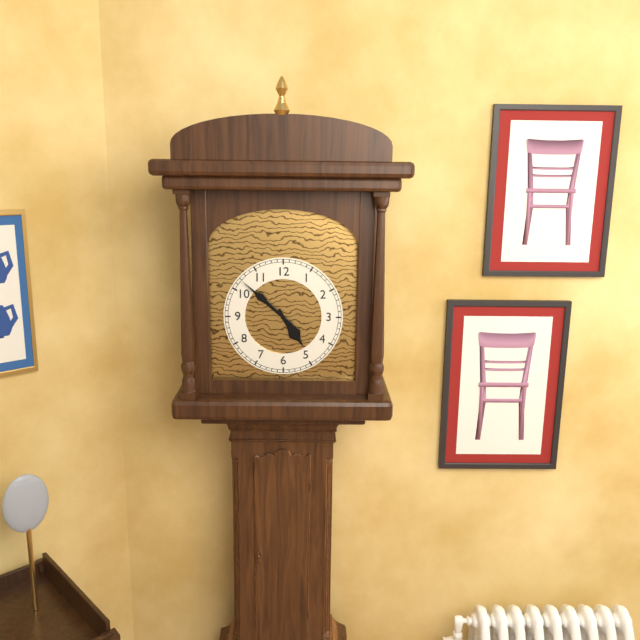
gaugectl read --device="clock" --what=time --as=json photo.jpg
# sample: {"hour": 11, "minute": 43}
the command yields {"hour": 4, "minute": 52}
